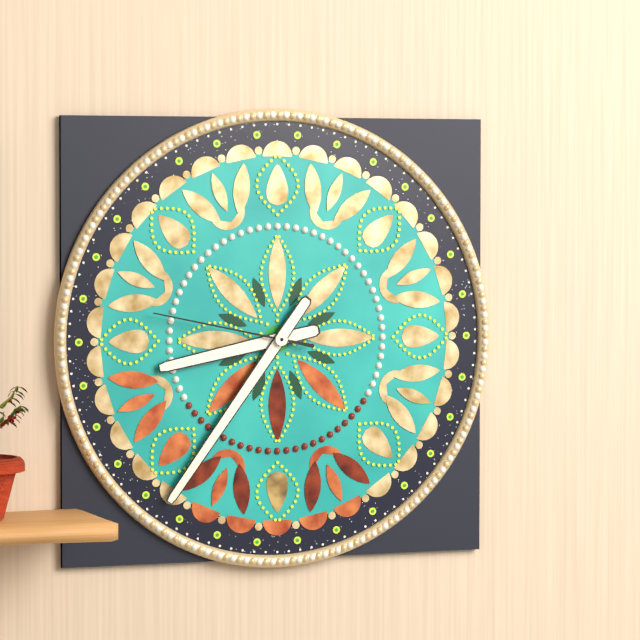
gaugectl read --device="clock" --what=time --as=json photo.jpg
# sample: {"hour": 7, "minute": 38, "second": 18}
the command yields {"hour": 8, "minute": 36, "second": 47}
